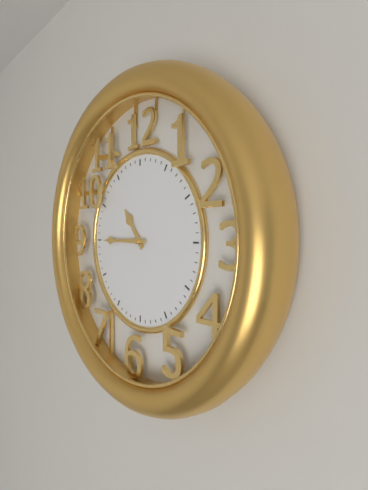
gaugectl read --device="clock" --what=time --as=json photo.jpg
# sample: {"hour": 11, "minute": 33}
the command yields {"hour": 10, "minute": 45}
